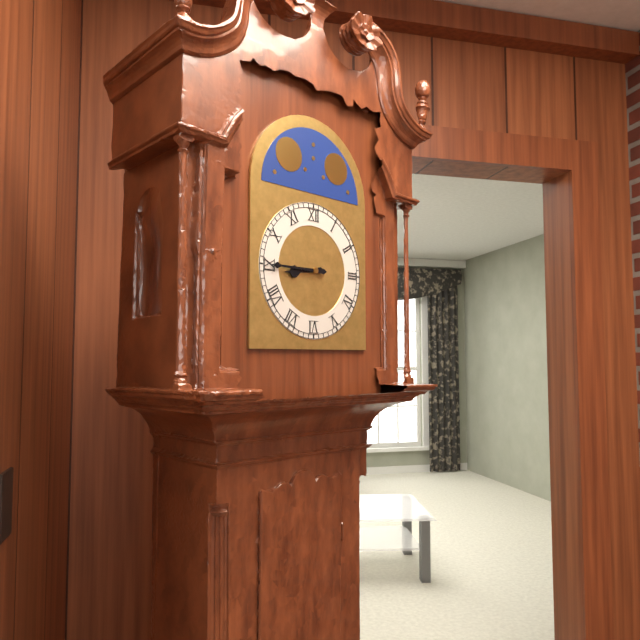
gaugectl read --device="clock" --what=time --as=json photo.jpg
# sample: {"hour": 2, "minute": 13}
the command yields {"hour": 8, "minute": 45}
